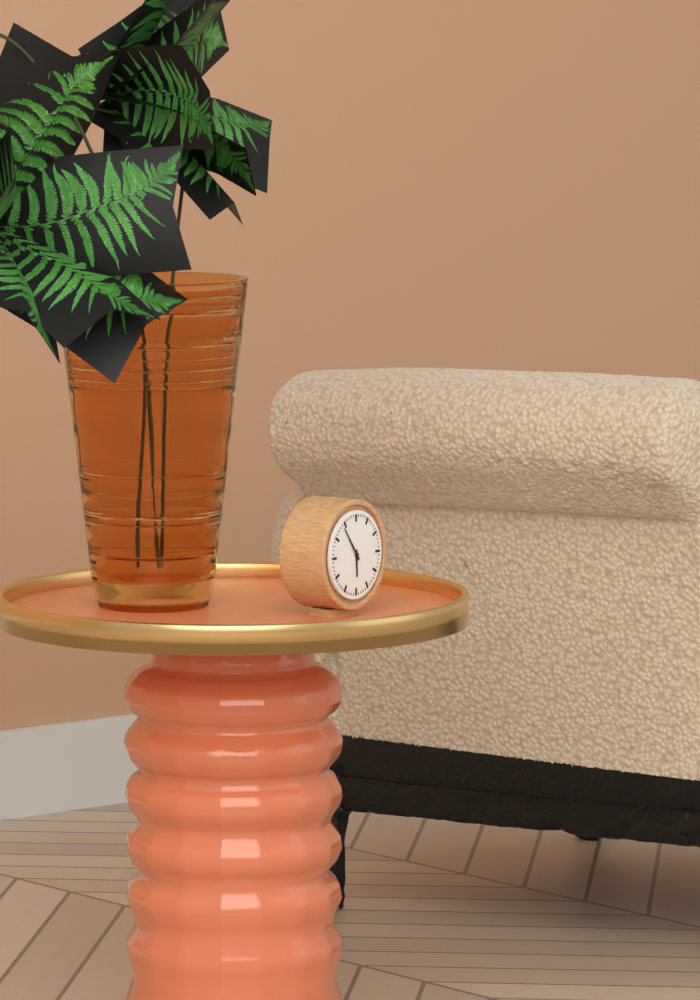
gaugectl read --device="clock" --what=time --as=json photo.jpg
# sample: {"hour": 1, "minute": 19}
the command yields {"hour": 5, "minute": 54}
